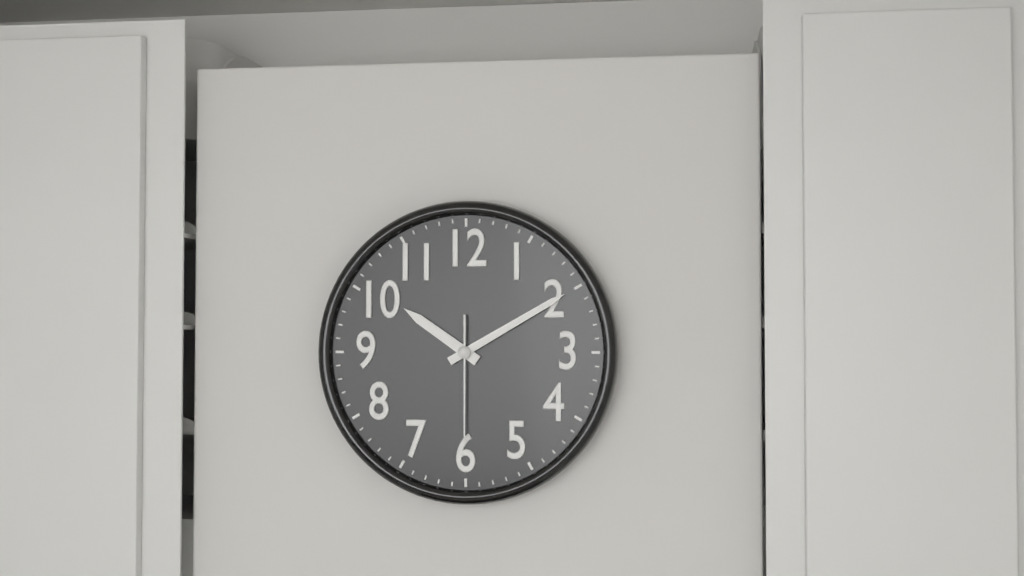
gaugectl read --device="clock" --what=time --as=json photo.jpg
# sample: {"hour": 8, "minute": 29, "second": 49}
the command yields {"hour": 10, "minute": 10, "second": 30}
